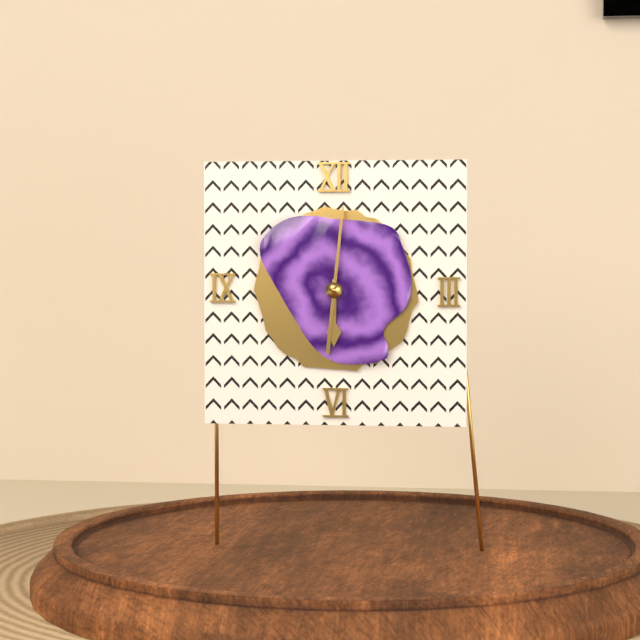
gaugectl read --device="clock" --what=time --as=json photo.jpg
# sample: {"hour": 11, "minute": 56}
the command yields {"hour": 6, "minute": 1}
